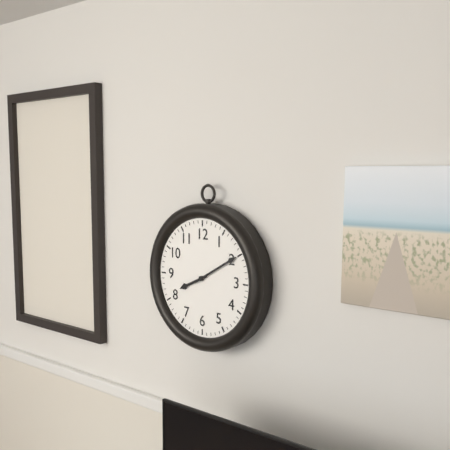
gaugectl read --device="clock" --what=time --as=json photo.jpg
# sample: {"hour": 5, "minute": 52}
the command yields {"hour": 8, "minute": 10}
